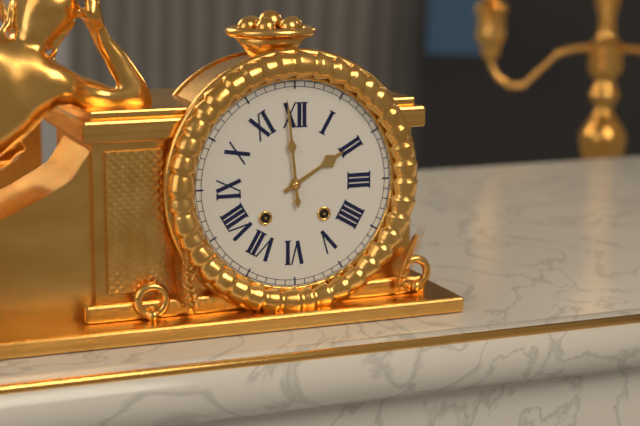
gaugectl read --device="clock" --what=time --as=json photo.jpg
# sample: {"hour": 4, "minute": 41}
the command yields {"hour": 1, "minute": 59}
